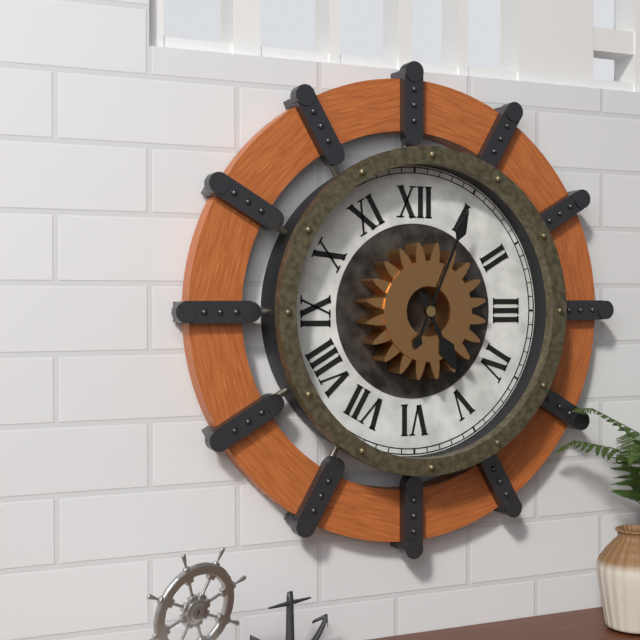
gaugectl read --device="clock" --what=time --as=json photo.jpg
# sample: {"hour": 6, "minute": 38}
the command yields {"hour": 5, "minute": 4}
